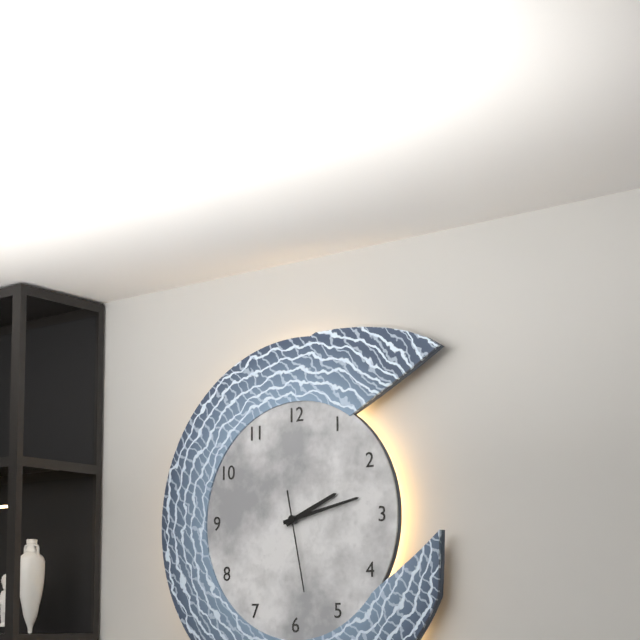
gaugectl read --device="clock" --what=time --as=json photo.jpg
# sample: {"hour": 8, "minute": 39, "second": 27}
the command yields {"hour": 2, "minute": 13, "second": 28}
